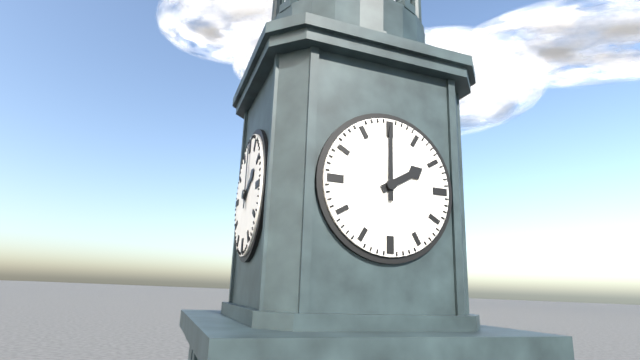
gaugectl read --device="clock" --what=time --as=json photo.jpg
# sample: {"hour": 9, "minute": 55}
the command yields {"hour": 2, "minute": 0}
